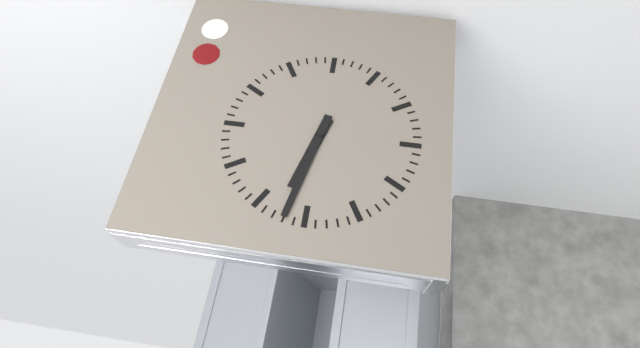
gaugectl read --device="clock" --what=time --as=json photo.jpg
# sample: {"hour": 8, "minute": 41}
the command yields {"hour": 6, "minute": 32}
